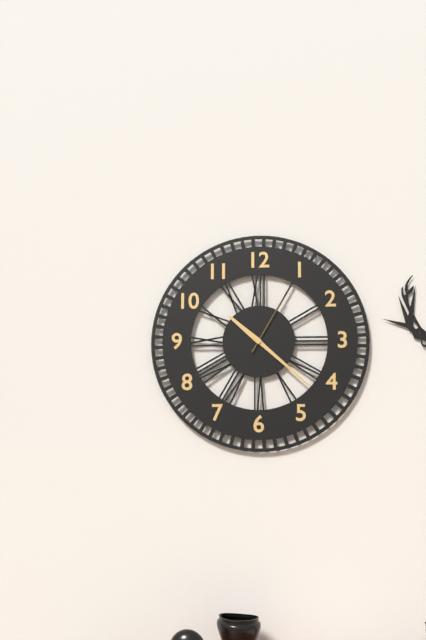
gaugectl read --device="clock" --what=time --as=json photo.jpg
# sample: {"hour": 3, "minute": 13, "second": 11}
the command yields {"hour": 10, "minute": 22, "second": 5}
